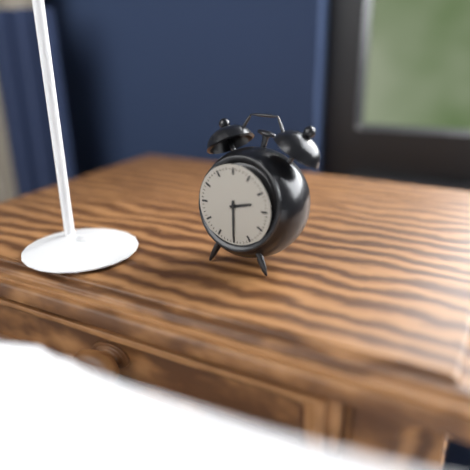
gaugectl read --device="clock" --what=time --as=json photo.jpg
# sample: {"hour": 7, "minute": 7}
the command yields {"hour": 2, "minute": 30}
